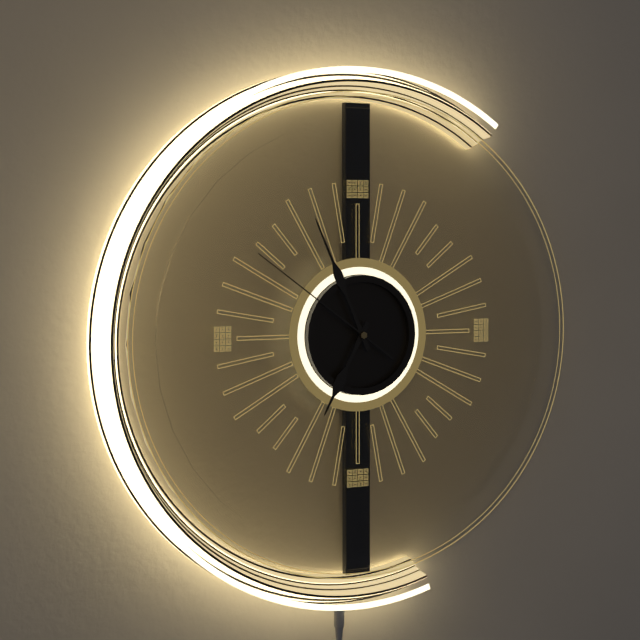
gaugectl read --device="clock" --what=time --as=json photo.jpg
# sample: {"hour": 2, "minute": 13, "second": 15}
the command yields {"hour": 6, "minute": 56, "second": 51}
